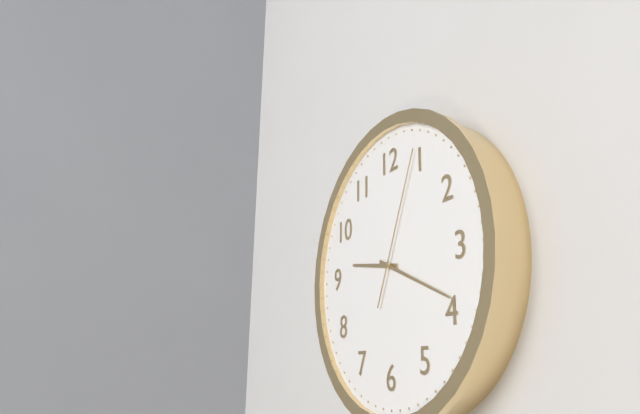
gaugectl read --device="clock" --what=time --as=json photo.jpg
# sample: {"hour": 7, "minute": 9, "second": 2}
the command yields {"hour": 9, "minute": 19, "second": 4}
